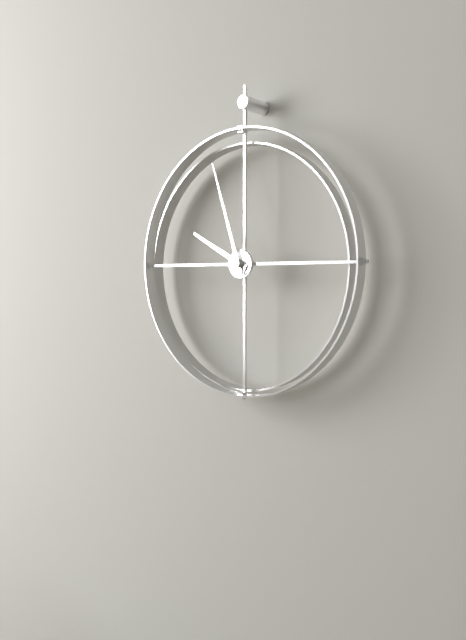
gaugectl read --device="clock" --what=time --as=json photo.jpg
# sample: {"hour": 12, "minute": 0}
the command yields {"hour": 9, "minute": 57}
